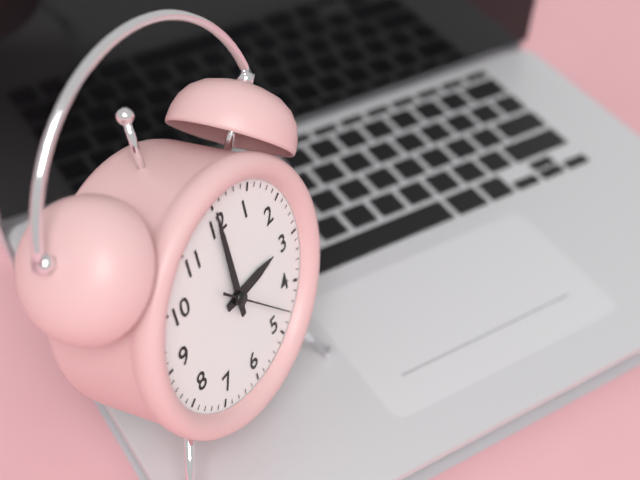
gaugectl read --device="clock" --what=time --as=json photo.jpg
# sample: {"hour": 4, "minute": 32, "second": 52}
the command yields {"hour": 3, "minute": 0, "second": 23}
